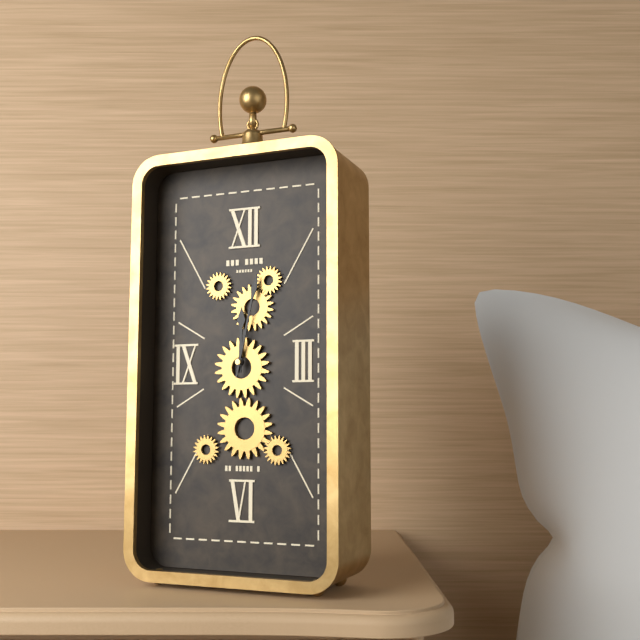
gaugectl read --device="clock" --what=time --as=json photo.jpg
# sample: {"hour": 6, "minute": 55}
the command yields {"hour": 12, "minute": 2}
